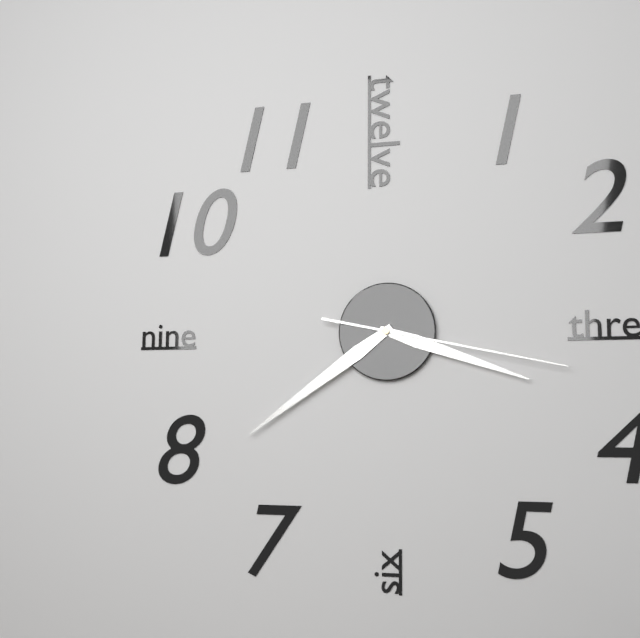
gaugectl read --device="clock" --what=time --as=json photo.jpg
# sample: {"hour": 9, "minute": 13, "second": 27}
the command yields {"hour": 3, "minute": 39, "second": 17}
